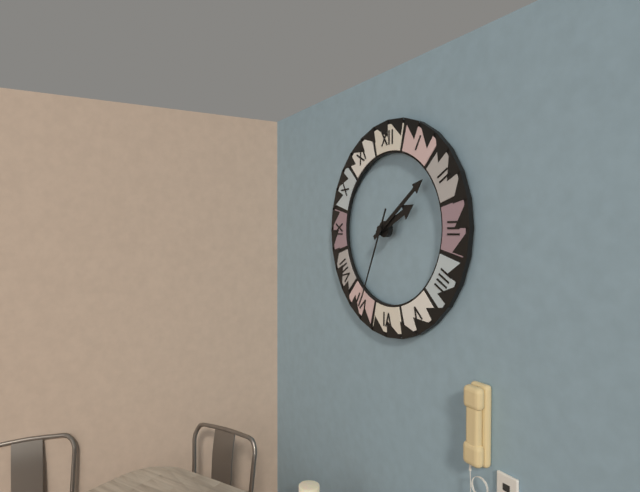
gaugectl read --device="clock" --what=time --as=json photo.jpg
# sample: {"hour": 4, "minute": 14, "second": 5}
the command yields {"hour": 2, "minute": 9, "second": 34}
